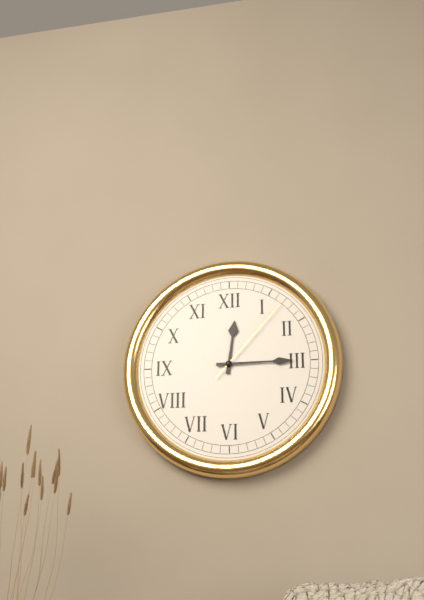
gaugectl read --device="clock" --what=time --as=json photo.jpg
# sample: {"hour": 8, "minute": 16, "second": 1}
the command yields {"hour": 12, "minute": 15, "second": 7}
